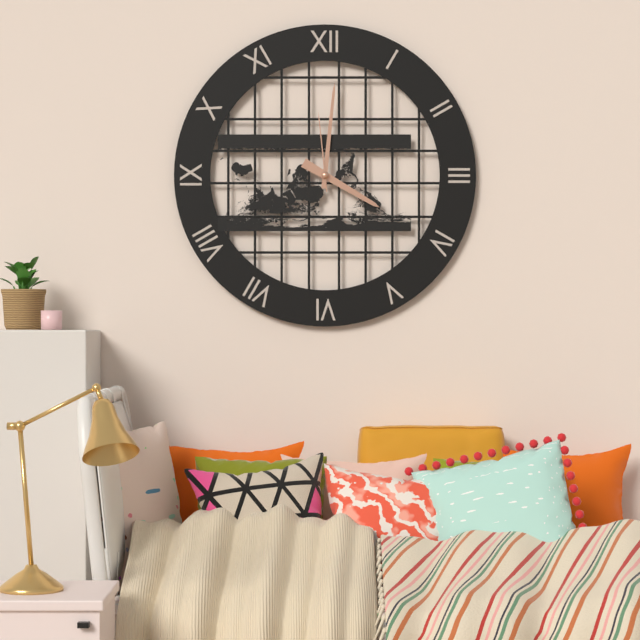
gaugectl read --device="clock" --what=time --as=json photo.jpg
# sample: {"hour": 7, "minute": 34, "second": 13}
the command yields {"hour": 4, "minute": 1, "second": 59}
